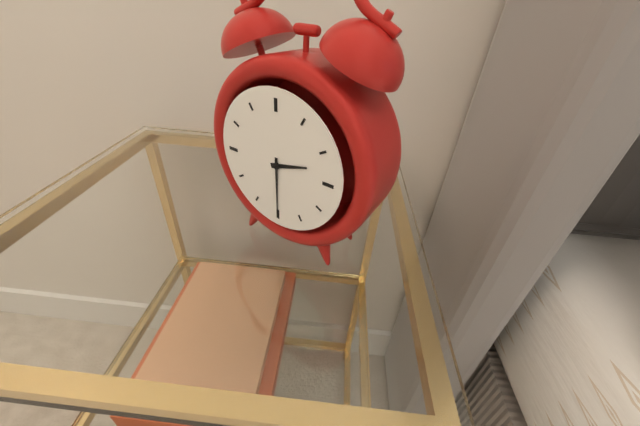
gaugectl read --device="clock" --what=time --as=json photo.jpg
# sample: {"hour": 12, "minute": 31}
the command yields {"hour": 2, "minute": 30}
